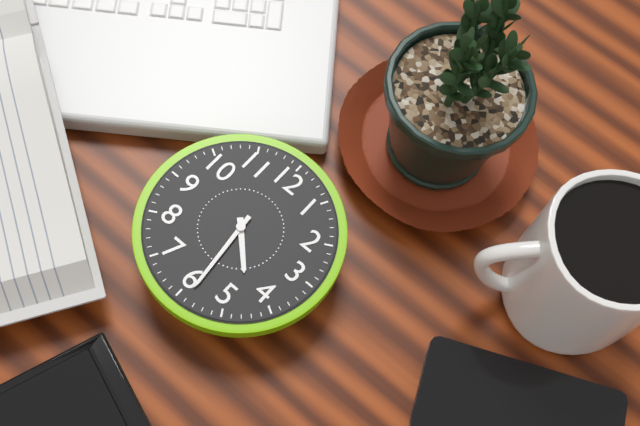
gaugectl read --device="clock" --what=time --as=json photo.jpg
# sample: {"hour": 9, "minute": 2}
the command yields {"hour": 4, "minute": 29}
